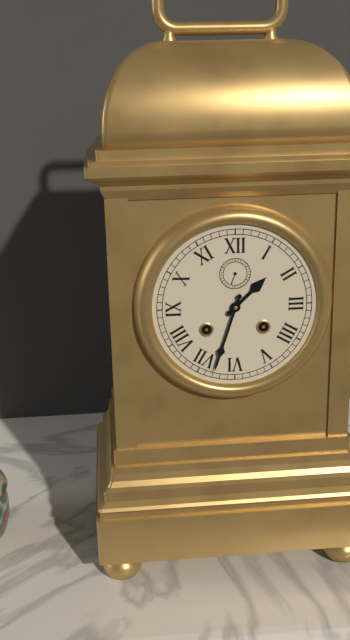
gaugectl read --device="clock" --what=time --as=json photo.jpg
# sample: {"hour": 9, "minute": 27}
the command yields {"hour": 1, "minute": 33}
